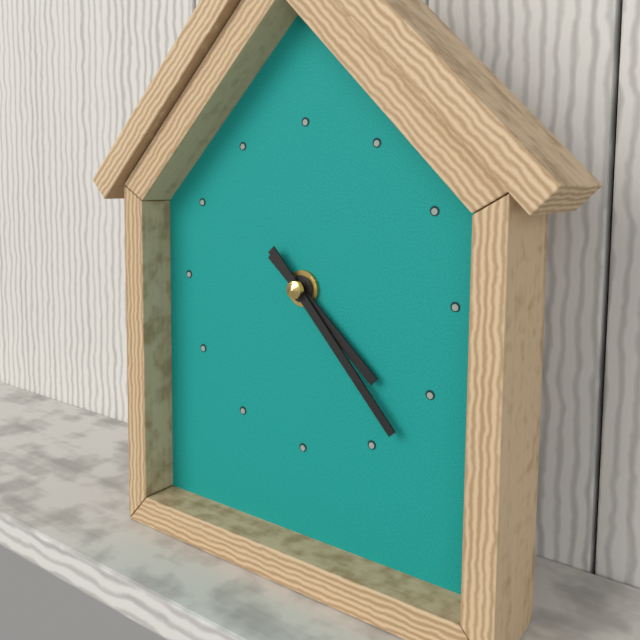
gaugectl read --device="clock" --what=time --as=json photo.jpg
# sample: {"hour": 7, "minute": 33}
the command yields {"hour": 4, "minute": 23}
